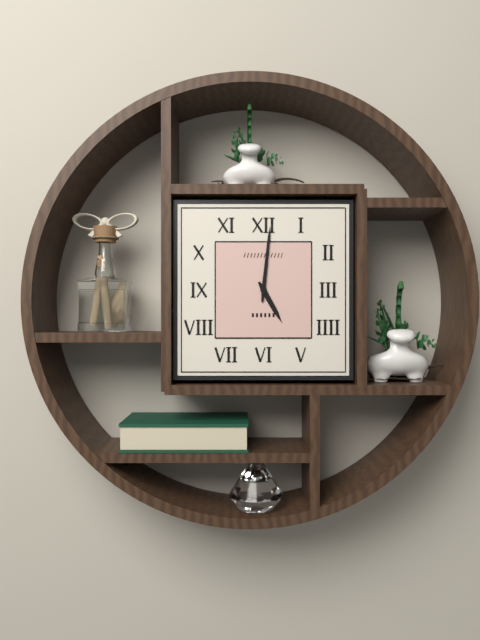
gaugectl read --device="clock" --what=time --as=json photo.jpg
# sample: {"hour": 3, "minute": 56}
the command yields {"hour": 5, "minute": 1}
